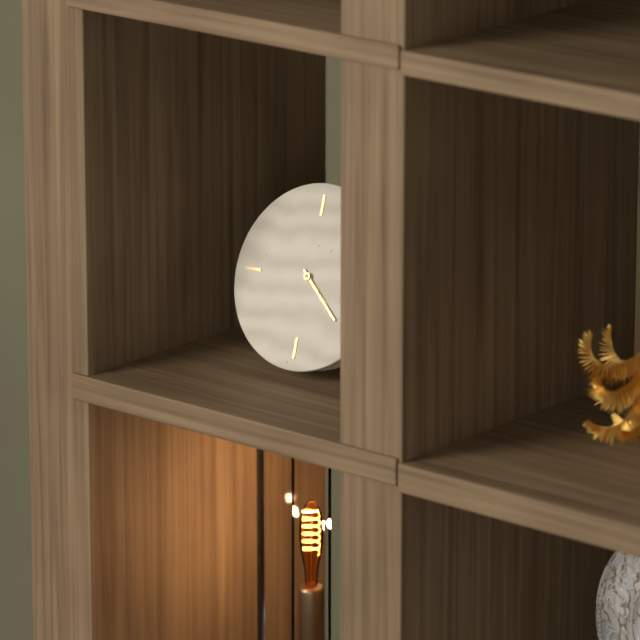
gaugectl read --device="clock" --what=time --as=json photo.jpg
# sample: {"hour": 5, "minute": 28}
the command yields {"hour": 4, "minute": 22}
